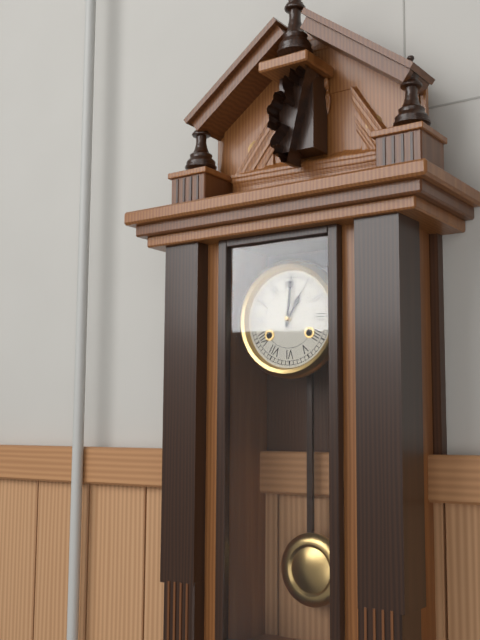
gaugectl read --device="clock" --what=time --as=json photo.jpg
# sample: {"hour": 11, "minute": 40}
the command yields {"hour": 1, "minute": 1}
